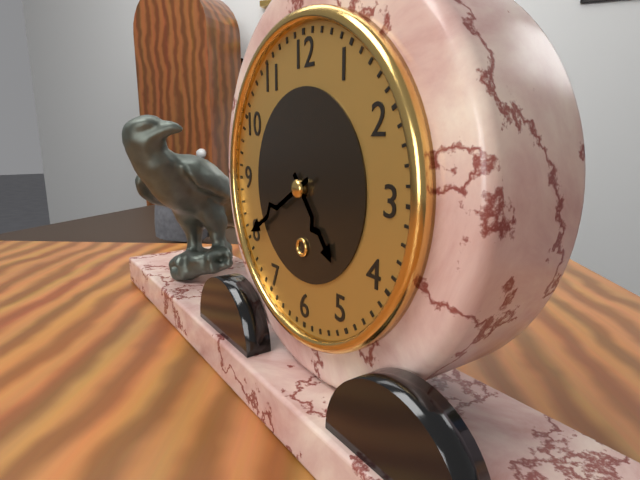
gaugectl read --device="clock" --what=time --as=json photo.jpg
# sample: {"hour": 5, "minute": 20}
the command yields {"hour": 4, "minute": 40}
